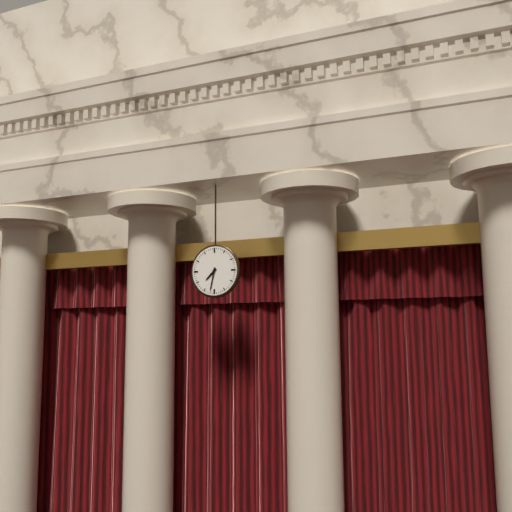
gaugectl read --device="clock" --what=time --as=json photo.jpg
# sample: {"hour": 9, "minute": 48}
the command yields {"hour": 7, "minute": 32}
